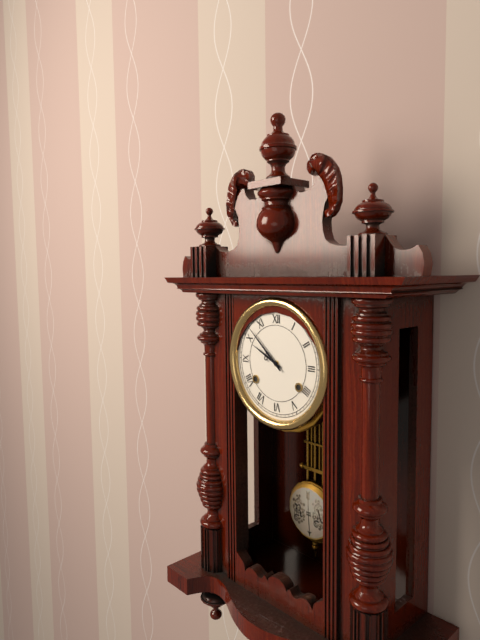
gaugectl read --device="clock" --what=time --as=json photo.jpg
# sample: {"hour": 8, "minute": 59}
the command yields {"hour": 9, "minute": 52}
